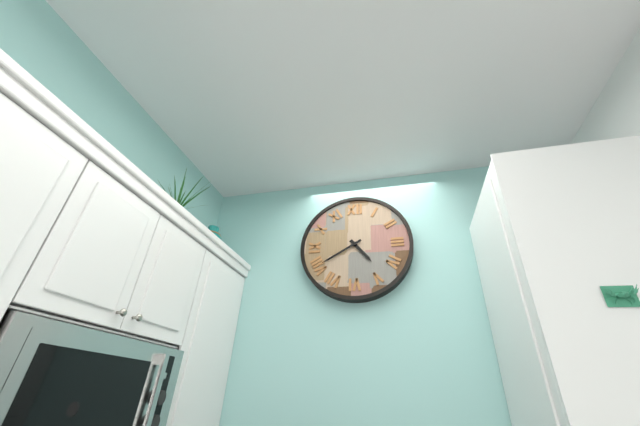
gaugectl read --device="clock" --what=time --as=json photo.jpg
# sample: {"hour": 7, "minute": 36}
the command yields {"hour": 4, "minute": 40}
